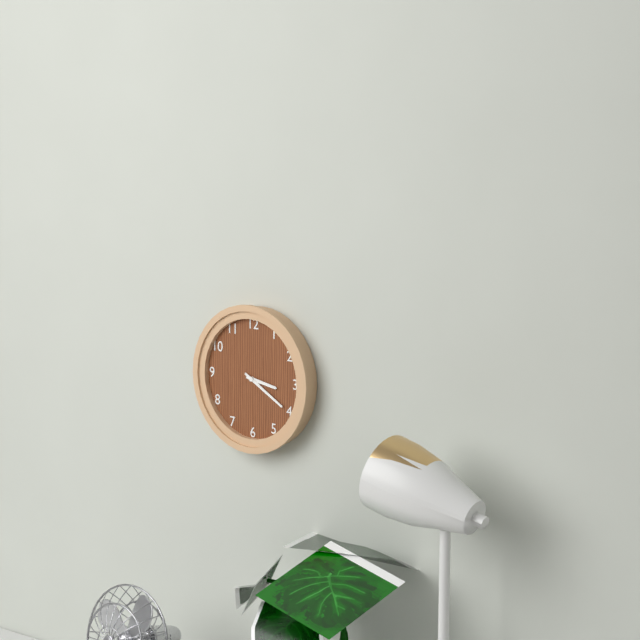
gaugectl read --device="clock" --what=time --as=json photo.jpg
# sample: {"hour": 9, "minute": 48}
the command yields {"hour": 3, "minute": 20}
